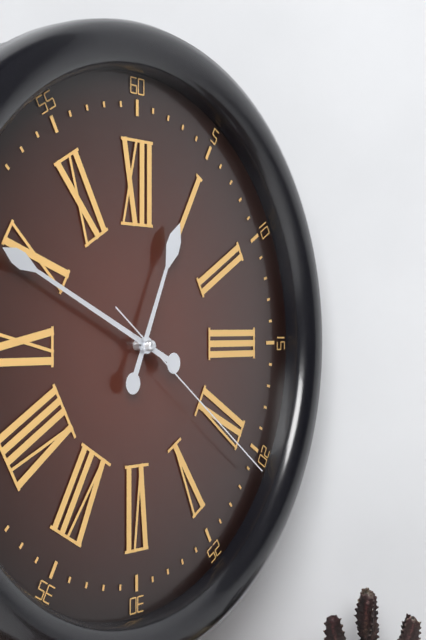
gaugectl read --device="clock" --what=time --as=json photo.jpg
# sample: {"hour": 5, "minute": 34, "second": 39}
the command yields {"hour": 12, "minute": 49, "second": 21}
